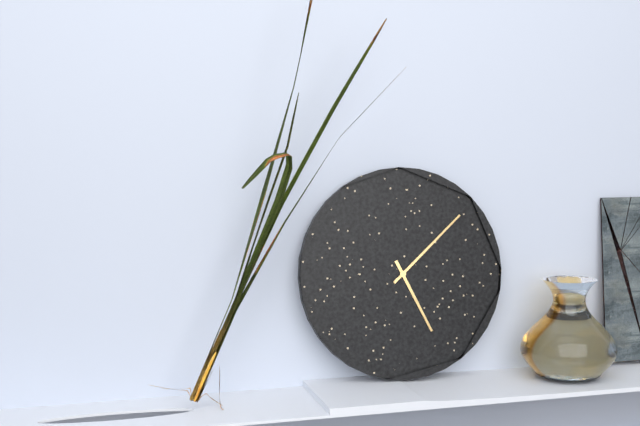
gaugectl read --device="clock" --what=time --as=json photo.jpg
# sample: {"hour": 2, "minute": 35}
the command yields {"hour": 5, "minute": 8}
